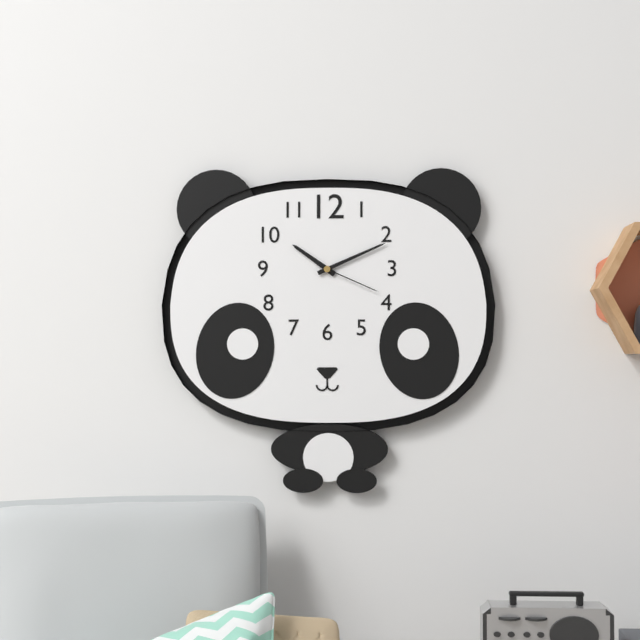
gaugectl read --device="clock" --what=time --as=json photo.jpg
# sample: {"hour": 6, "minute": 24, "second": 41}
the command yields {"hour": 10, "minute": 11, "second": 19}
